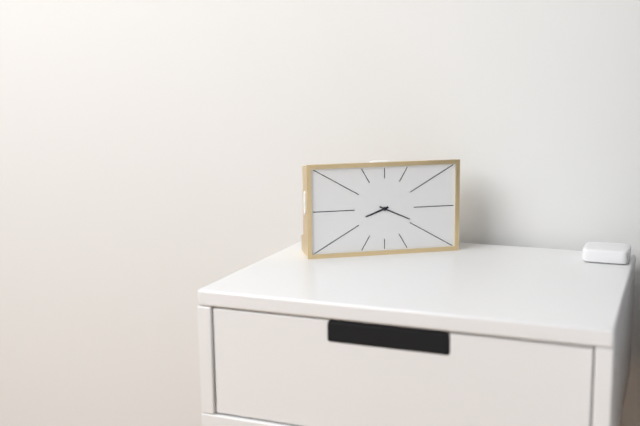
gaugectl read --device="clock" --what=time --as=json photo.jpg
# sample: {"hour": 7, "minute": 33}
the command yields {"hour": 8, "minute": 19}
